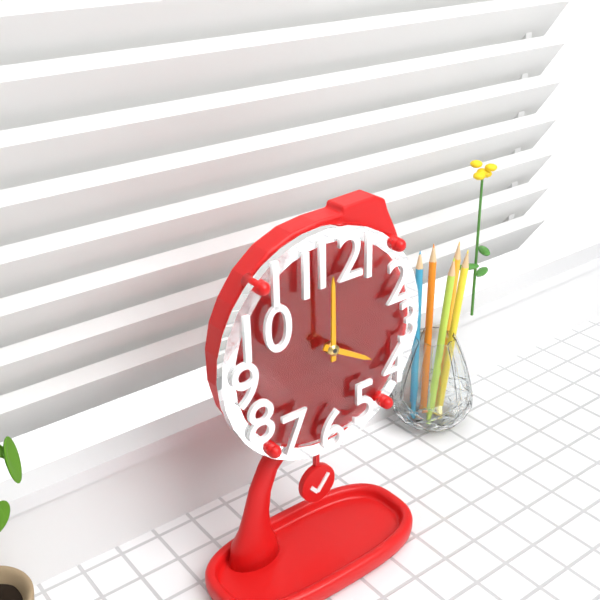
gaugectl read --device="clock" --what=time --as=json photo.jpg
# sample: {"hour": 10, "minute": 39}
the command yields {"hour": 4, "minute": 0}
